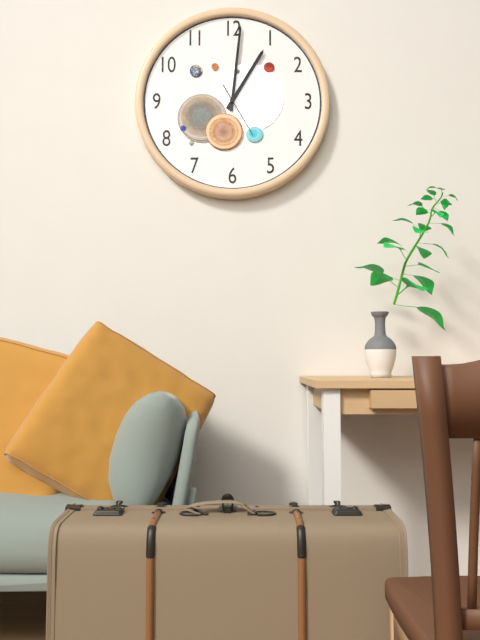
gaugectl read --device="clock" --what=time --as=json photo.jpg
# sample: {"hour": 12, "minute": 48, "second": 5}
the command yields {"hour": 1, "minute": 1, "second": 25}
